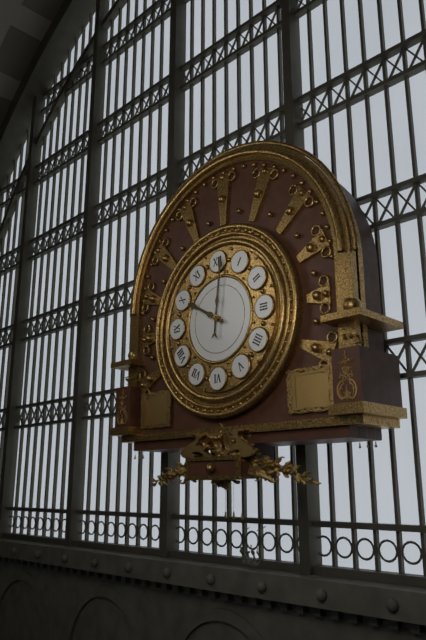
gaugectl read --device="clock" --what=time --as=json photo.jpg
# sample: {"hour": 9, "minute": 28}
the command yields {"hour": 10, "minute": 1}
